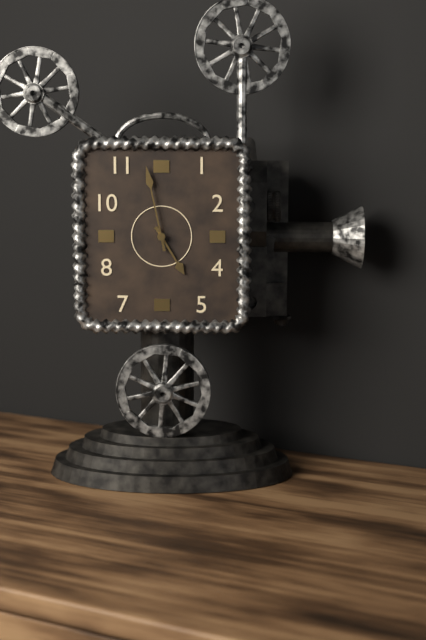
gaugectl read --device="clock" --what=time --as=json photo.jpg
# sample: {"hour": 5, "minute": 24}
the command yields {"hour": 4, "minute": 58}
